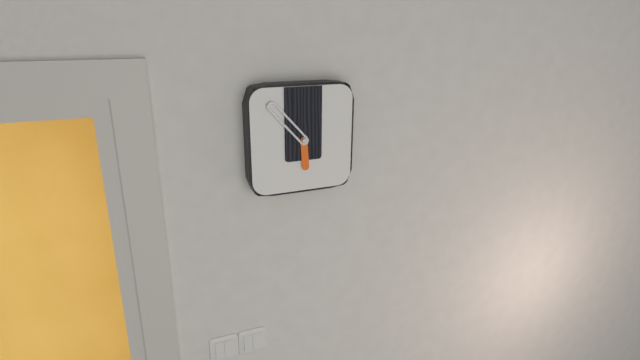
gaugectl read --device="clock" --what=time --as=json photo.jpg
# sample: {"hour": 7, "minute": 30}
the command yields {"hour": 5, "minute": 53}
